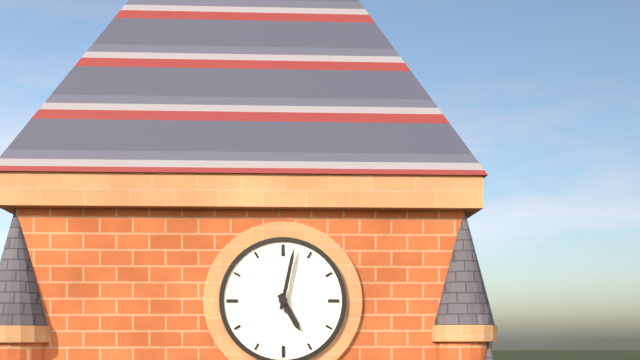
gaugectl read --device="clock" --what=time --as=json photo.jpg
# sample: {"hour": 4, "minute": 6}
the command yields {"hour": 5, "minute": 2}
